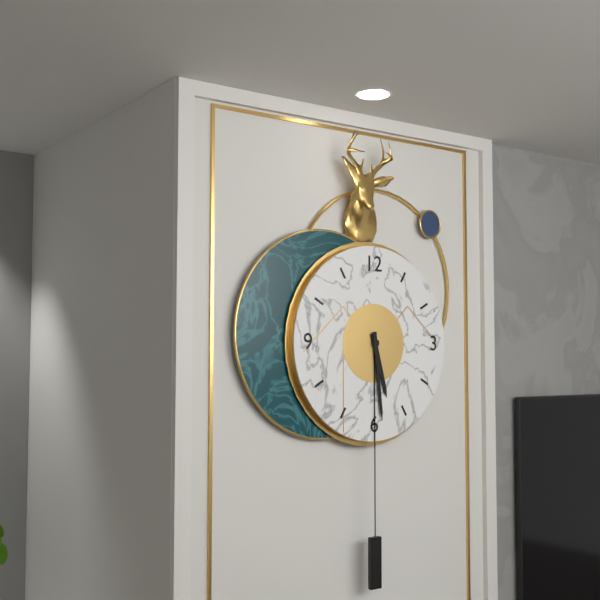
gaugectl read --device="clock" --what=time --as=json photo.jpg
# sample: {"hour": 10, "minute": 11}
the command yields {"hour": 5, "minute": 29}
